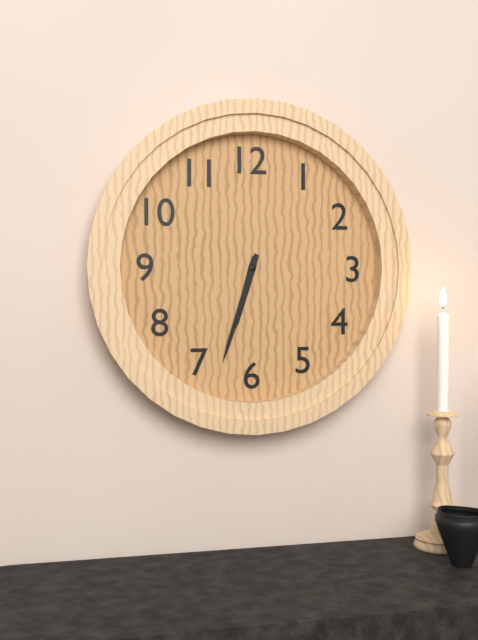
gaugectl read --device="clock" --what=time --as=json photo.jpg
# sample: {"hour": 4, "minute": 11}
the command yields {"hour": 6, "minute": 33}
